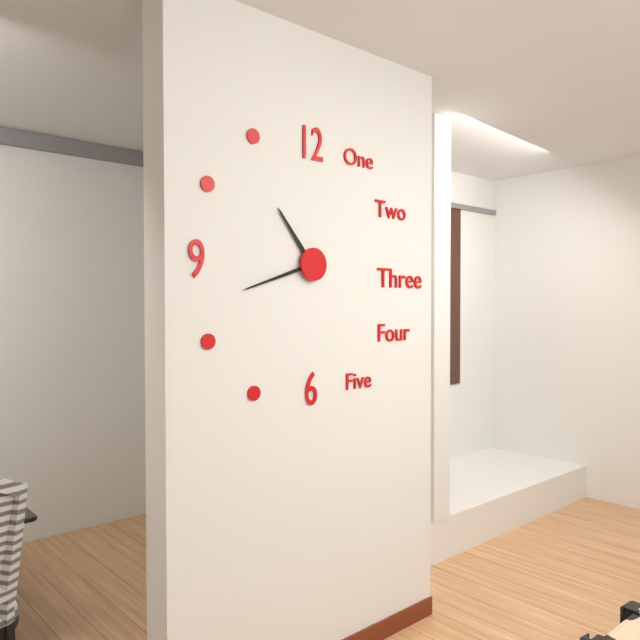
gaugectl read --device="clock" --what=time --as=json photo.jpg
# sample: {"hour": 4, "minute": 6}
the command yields {"hour": 10, "minute": 42}
